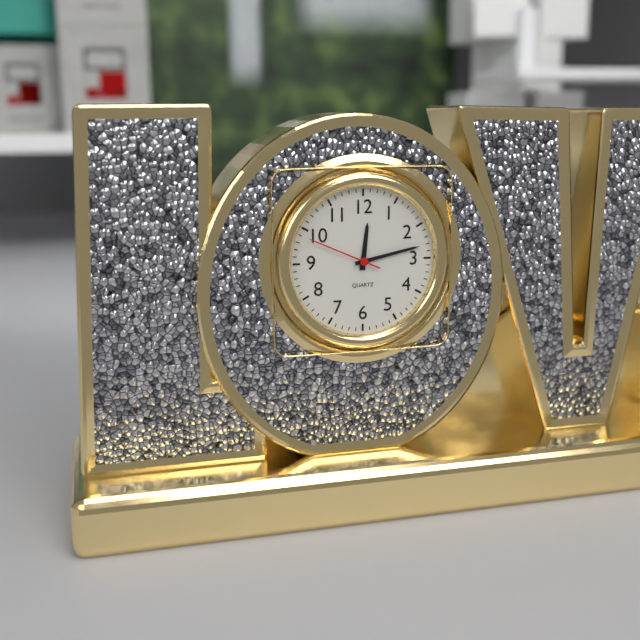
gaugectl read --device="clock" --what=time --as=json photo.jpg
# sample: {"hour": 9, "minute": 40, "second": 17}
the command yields {"hour": 12, "minute": 13, "second": 49}
